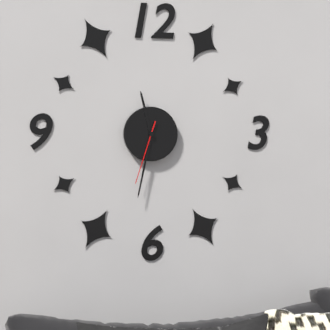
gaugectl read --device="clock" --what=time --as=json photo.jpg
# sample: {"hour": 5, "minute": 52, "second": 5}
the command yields {"hour": 11, "minute": 32, "second": 33}
